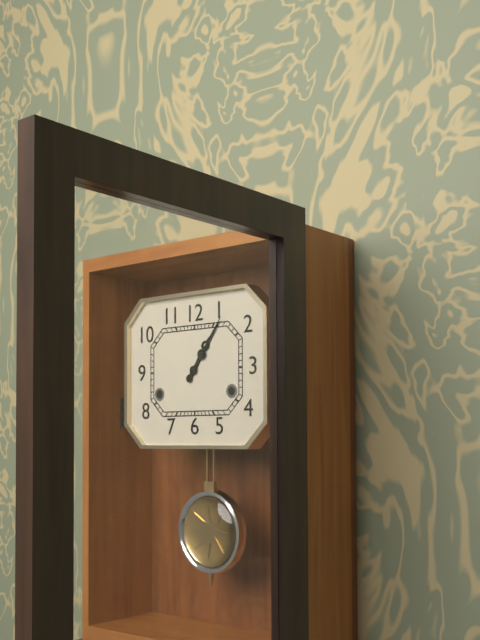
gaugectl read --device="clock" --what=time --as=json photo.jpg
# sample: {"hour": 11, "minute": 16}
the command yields {"hour": 1, "minute": 6}
